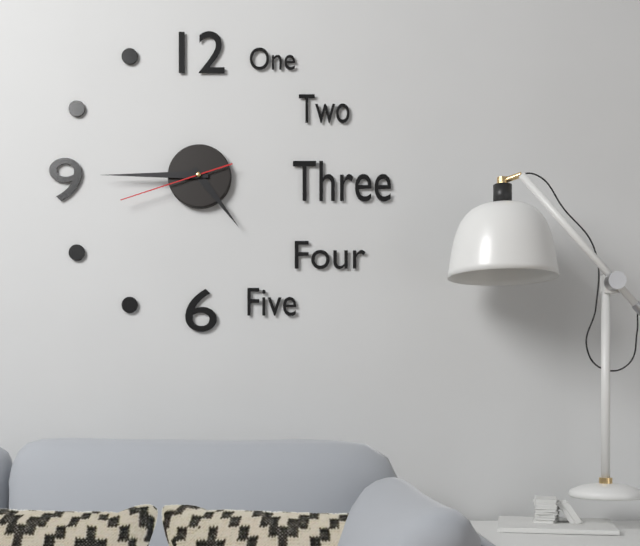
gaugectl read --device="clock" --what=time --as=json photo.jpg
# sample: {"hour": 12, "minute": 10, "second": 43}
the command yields {"hour": 4, "minute": 45, "second": 42}
